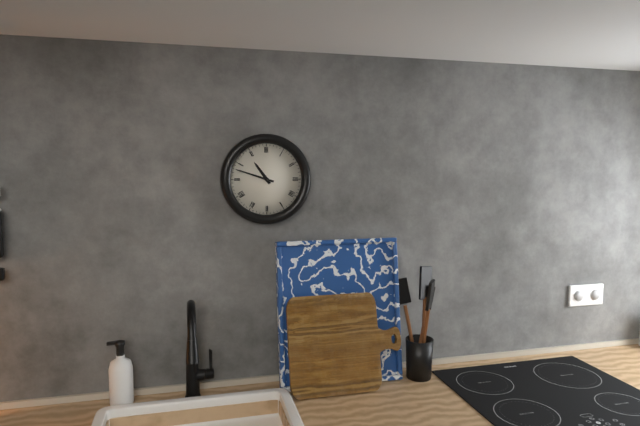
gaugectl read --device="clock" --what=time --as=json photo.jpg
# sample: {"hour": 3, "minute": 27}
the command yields {"hour": 10, "minute": 48}
